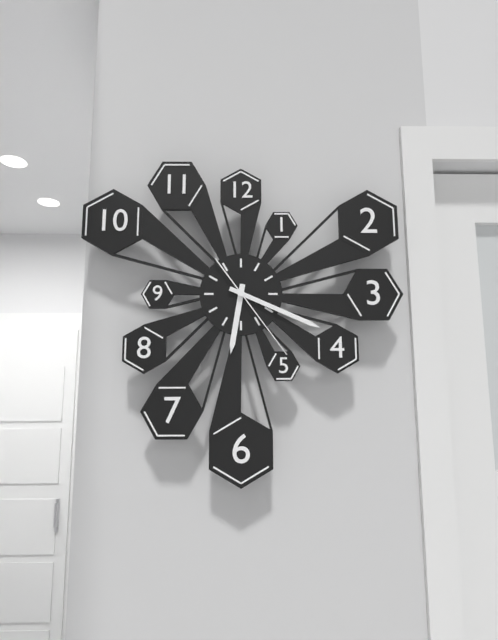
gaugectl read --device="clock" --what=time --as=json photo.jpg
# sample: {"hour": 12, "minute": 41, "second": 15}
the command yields {"hour": 6, "minute": 19, "second": 24}
